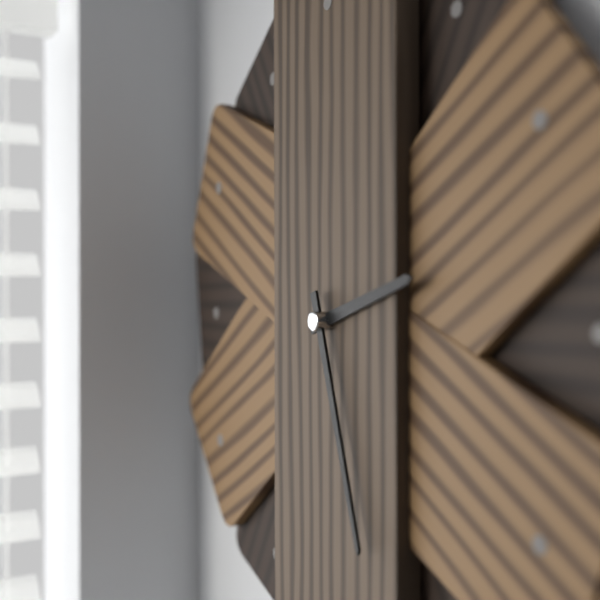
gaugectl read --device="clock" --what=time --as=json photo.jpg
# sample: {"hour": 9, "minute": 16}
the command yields {"hour": 2, "minute": 27}
